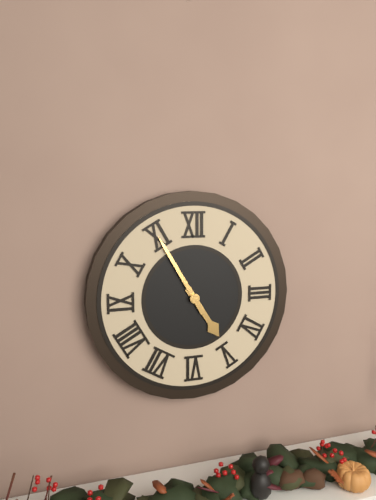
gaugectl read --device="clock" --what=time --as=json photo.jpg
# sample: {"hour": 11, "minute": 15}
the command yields {"hour": 4, "minute": 55}
